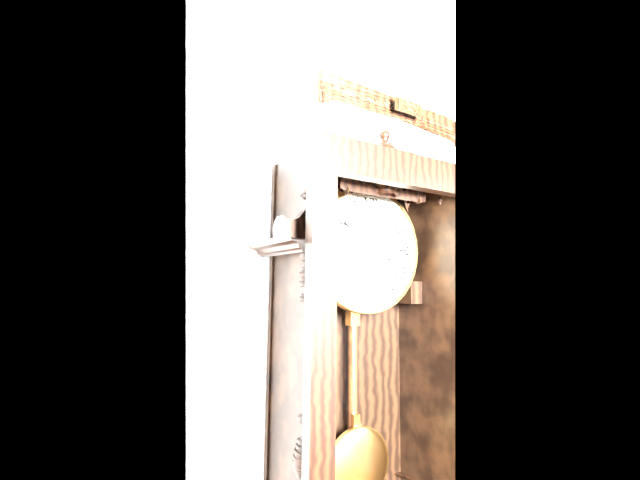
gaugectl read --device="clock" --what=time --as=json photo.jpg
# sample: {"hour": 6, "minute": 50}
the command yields {"hour": 6, "minute": 51}
